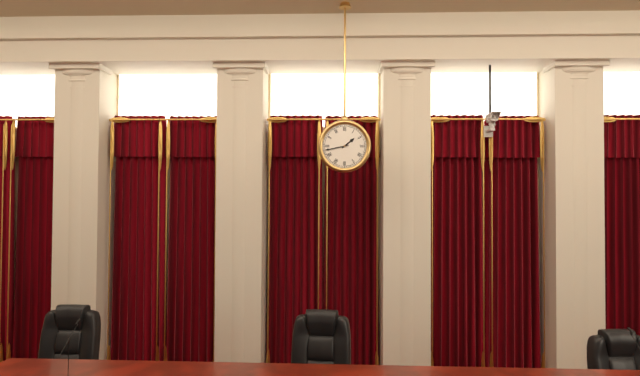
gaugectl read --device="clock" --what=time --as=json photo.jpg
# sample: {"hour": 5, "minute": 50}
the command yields {"hour": 1, "minute": 43}
